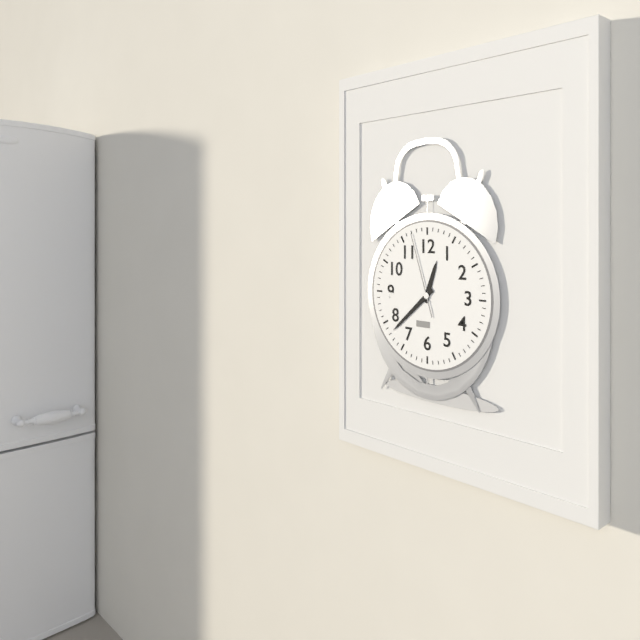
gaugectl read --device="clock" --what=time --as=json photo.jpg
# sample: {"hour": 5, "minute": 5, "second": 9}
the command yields {"hour": 12, "minute": 38, "second": 57}
